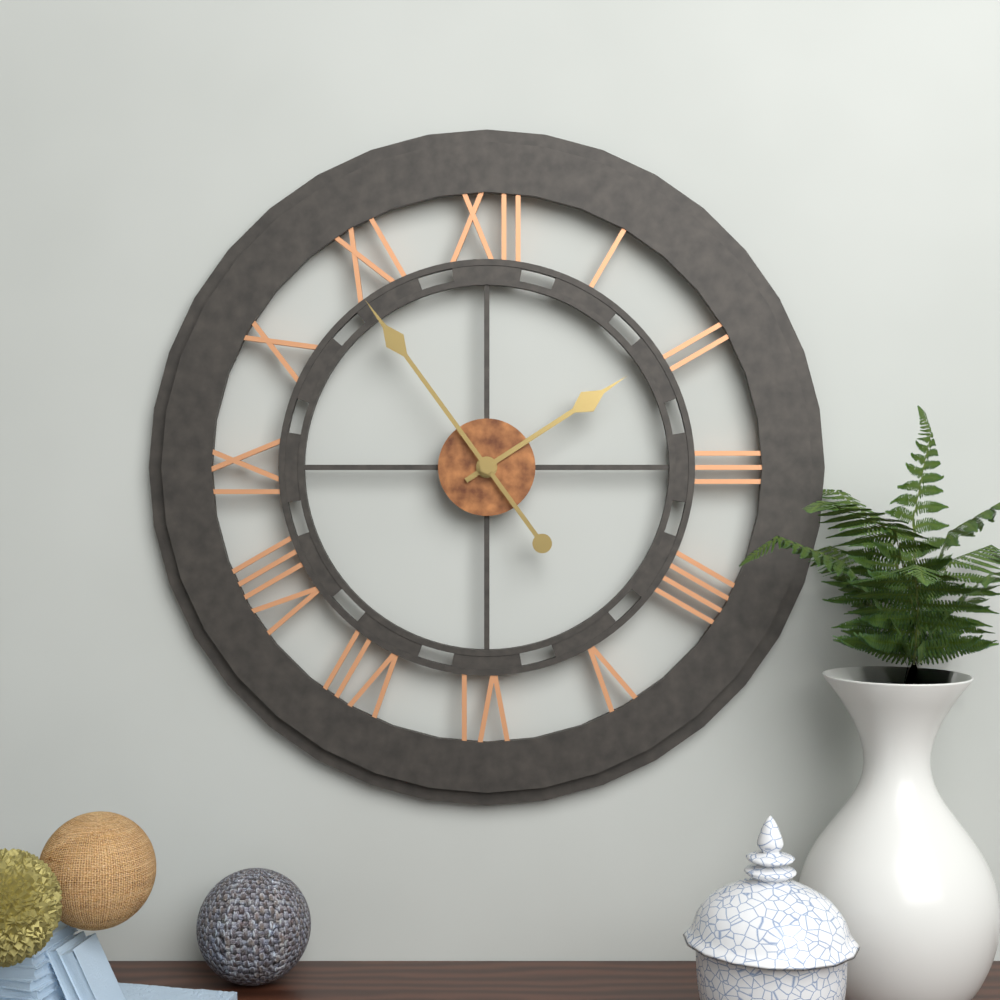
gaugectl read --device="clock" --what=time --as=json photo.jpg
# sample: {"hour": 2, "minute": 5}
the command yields {"hour": 1, "minute": 54}
